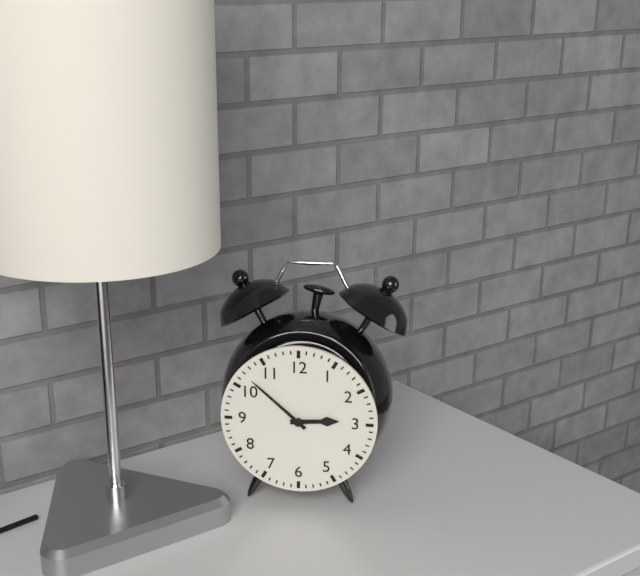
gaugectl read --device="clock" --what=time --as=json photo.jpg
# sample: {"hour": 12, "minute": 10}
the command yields {"hour": 2, "minute": 52}
